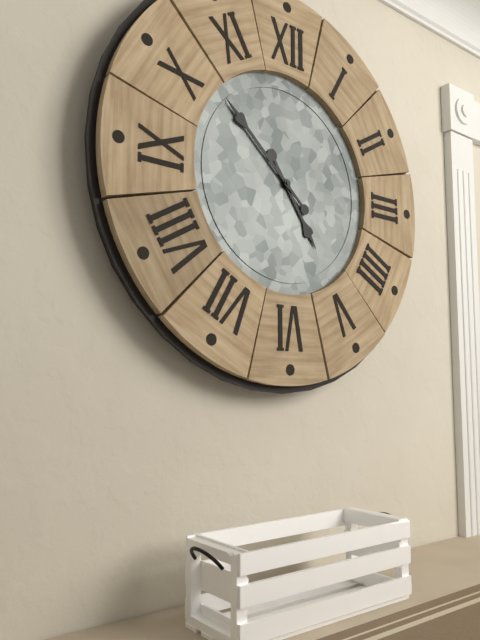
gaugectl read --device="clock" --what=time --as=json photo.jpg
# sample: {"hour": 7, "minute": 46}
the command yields {"hour": 4, "minute": 52}
